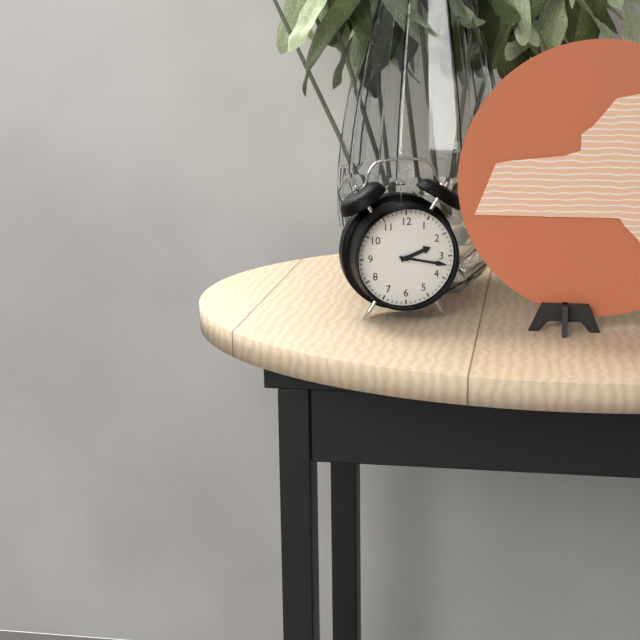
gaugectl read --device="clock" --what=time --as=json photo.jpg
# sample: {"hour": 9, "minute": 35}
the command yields {"hour": 2, "minute": 17}
